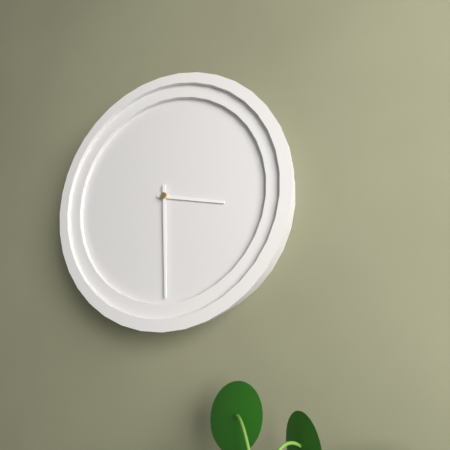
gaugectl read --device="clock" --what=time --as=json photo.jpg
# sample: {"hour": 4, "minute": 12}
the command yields {"hour": 3, "minute": 30}
